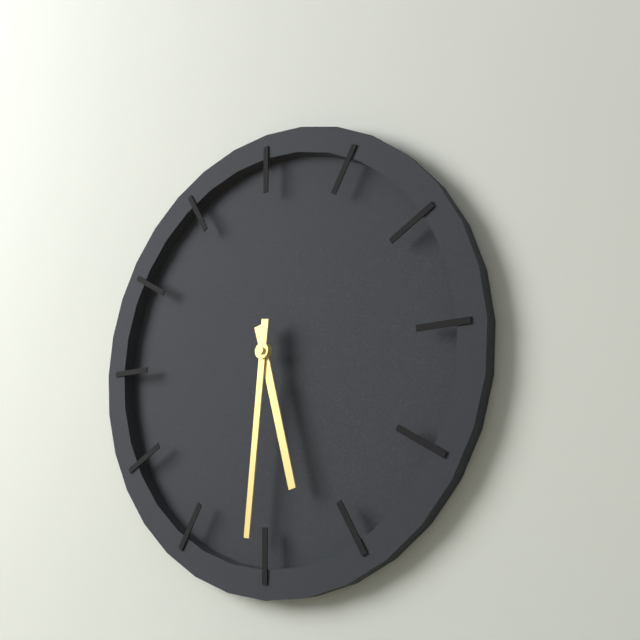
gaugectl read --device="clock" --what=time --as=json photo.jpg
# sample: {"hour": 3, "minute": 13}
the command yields {"hour": 5, "minute": 31}
